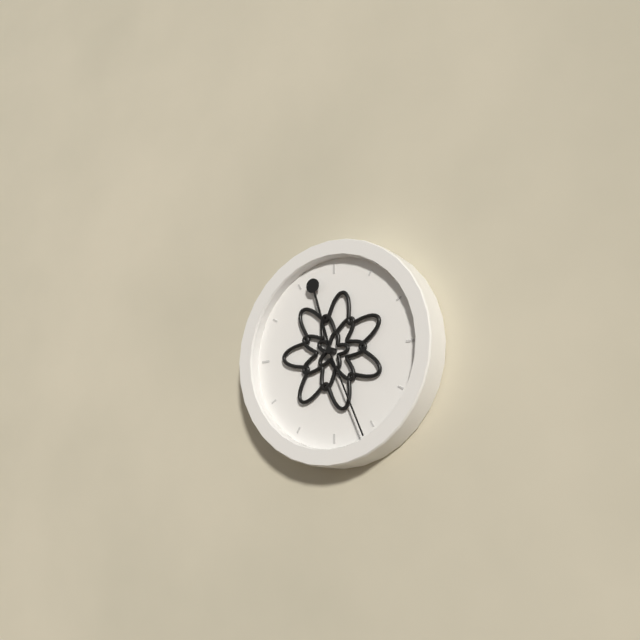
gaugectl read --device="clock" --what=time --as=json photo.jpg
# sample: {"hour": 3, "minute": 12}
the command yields {"hour": 11, "minute": 26}
